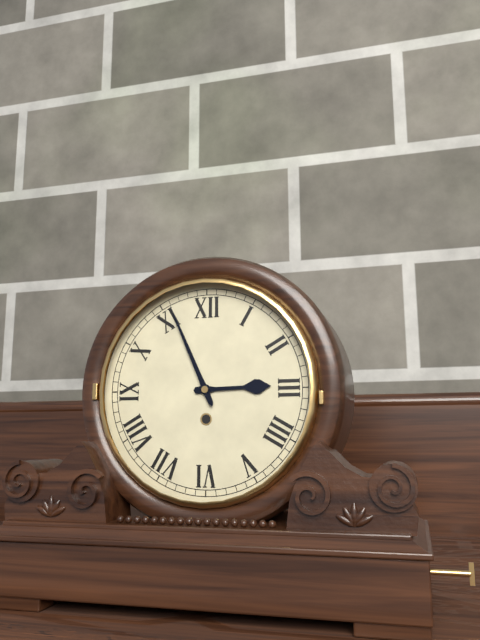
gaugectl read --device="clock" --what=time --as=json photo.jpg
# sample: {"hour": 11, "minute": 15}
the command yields {"hour": 2, "minute": 56}
